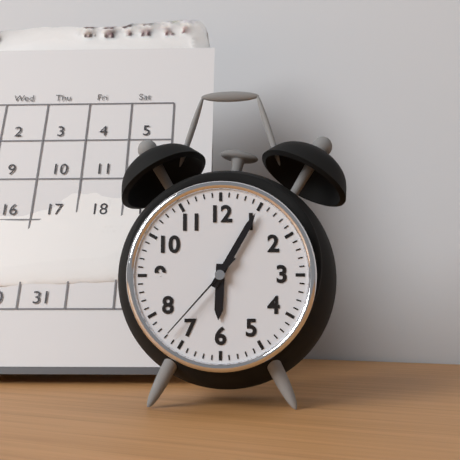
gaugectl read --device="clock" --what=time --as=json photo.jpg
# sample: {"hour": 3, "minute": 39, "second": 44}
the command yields {"hour": 6, "minute": 5, "second": 37}
